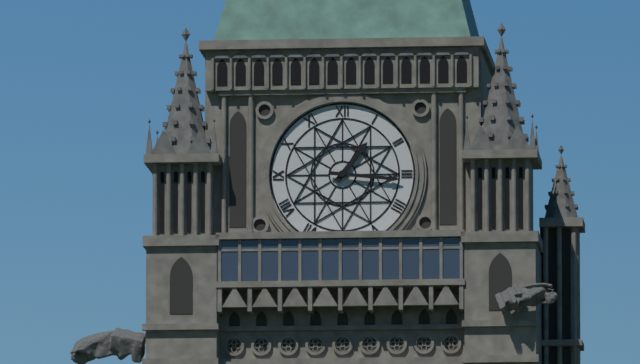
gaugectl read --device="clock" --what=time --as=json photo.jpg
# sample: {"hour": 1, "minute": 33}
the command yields {"hour": 1, "minute": 16}
